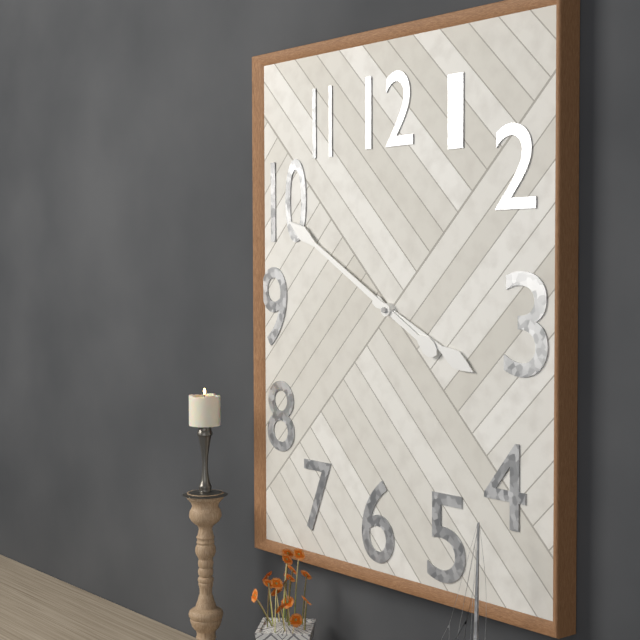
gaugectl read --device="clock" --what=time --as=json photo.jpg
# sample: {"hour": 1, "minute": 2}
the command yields {"hour": 3, "minute": 50}
